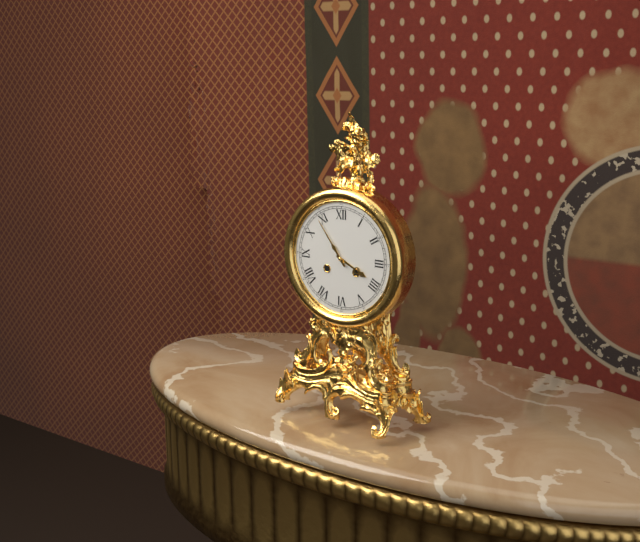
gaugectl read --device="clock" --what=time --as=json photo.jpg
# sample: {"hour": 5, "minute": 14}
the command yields {"hour": 3, "minute": 54}
